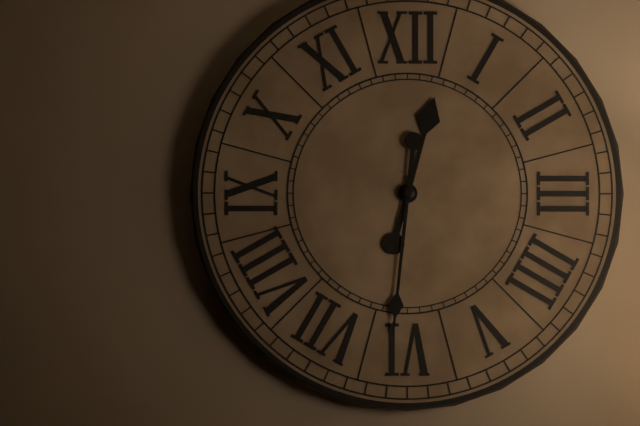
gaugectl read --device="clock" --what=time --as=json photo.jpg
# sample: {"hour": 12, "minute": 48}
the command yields {"hour": 12, "minute": 31}
